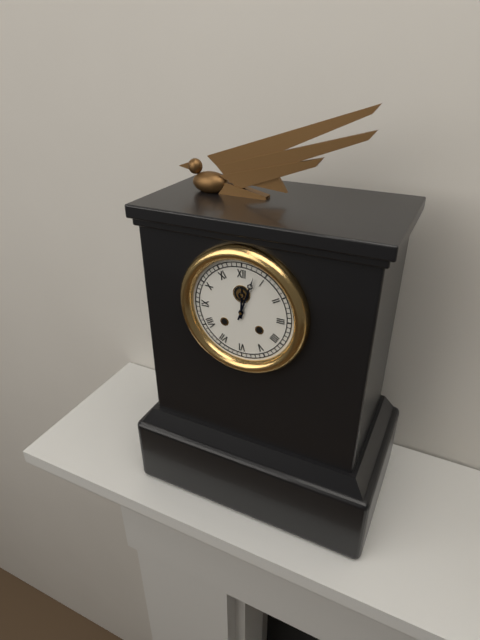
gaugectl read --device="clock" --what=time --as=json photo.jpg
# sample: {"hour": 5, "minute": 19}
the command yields {"hour": 12, "minute": 3}
